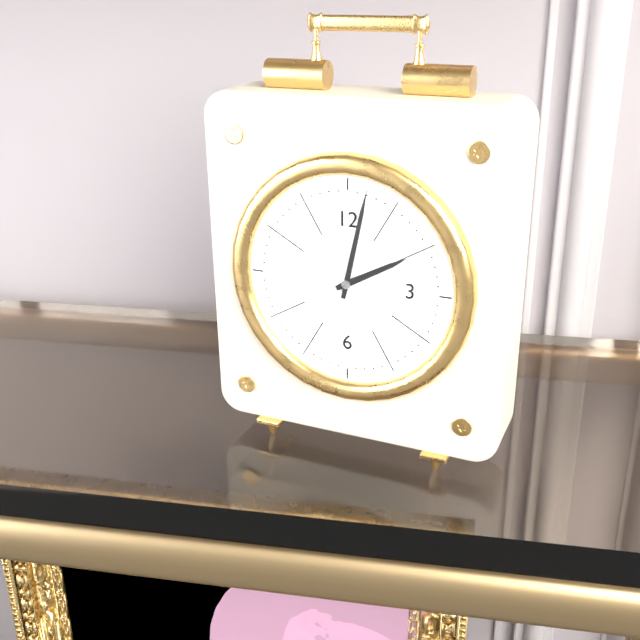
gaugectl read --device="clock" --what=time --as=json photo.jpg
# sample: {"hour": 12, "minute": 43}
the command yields {"hour": 2, "minute": 2}
